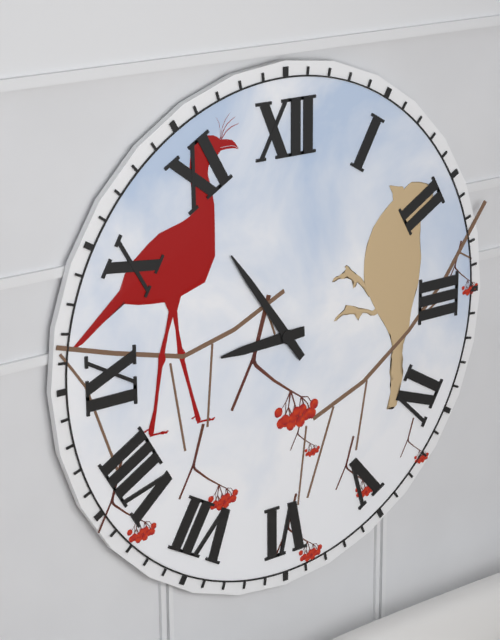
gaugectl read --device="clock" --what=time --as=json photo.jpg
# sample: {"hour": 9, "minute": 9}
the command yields {"hour": 8, "minute": 54}
